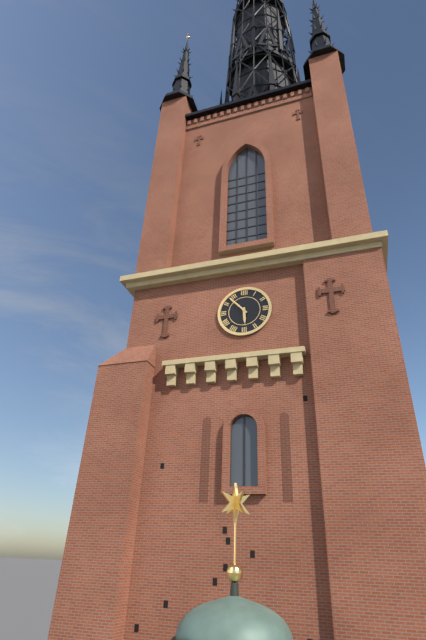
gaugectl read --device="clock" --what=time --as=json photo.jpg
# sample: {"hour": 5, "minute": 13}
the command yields {"hour": 5, "minute": 53}
